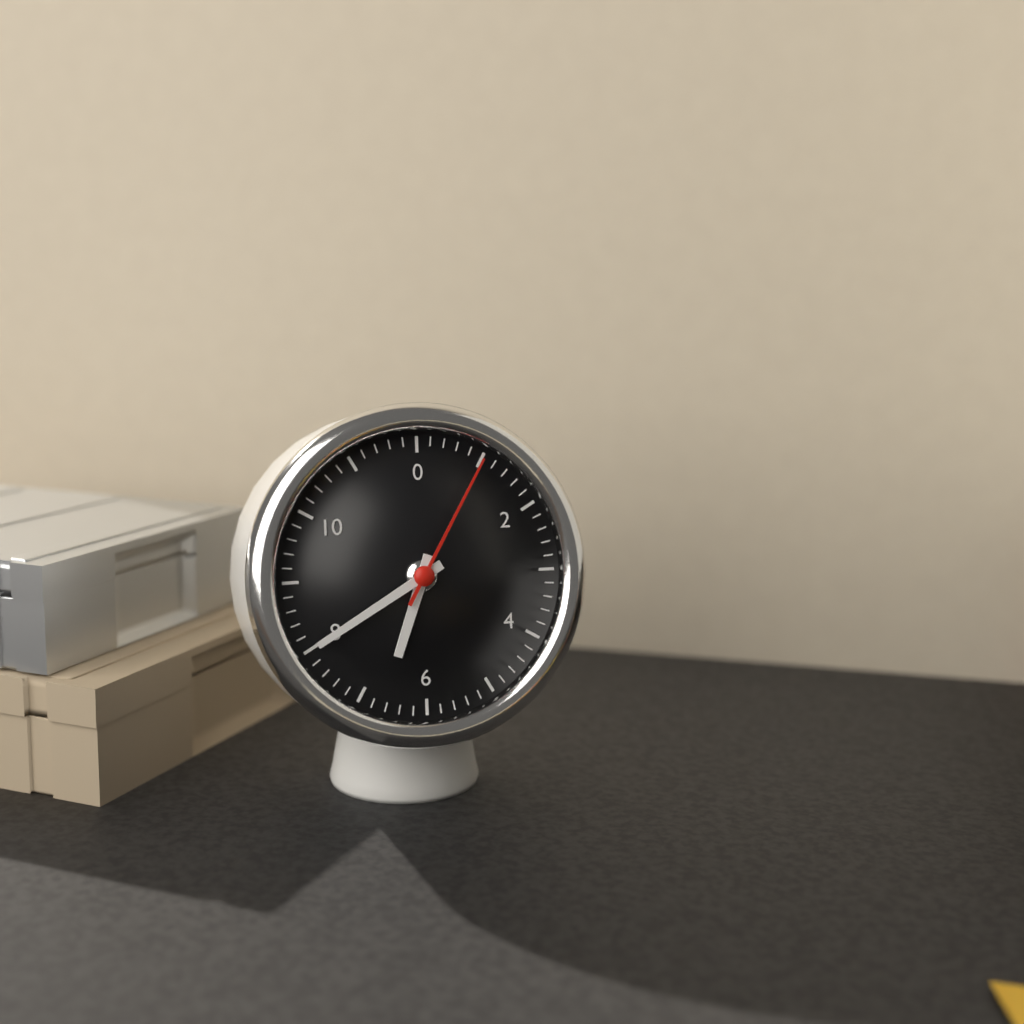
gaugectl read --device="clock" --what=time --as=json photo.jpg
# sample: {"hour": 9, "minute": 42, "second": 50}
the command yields {"hour": 6, "minute": 40, "second": 5}
